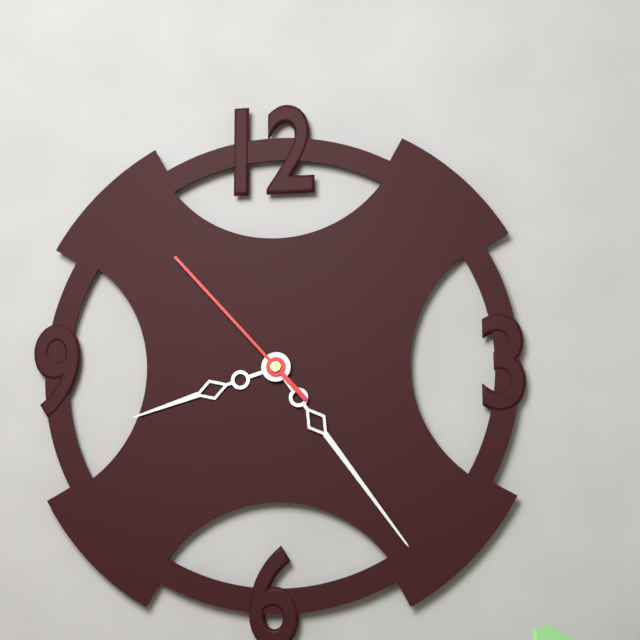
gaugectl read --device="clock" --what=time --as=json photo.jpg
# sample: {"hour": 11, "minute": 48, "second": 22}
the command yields {"hour": 8, "minute": 24, "second": 53}
